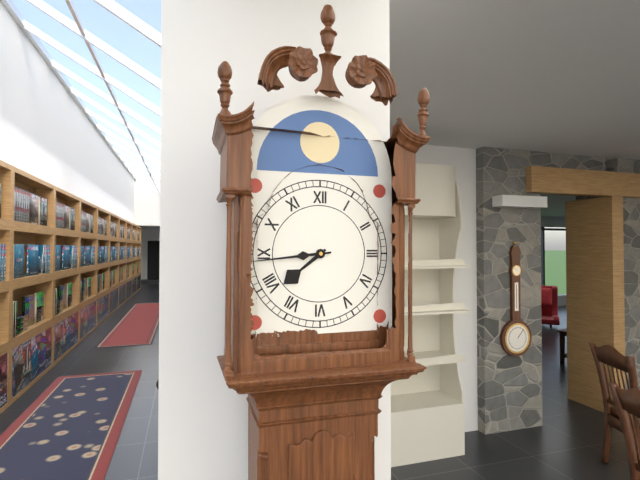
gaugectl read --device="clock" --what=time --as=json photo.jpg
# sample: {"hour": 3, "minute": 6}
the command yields {"hour": 7, "minute": 44}
